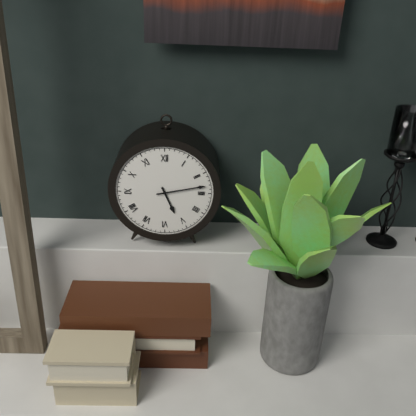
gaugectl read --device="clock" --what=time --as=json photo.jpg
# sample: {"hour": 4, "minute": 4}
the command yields {"hour": 5, "minute": 13}
